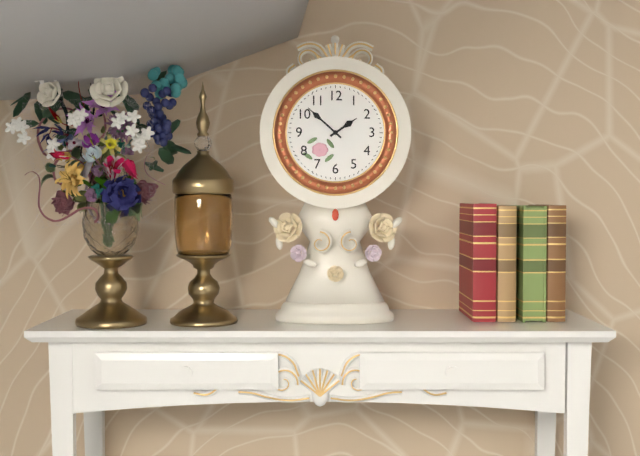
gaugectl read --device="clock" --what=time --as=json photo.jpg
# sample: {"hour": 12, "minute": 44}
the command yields {"hour": 1, "minute": 52}
